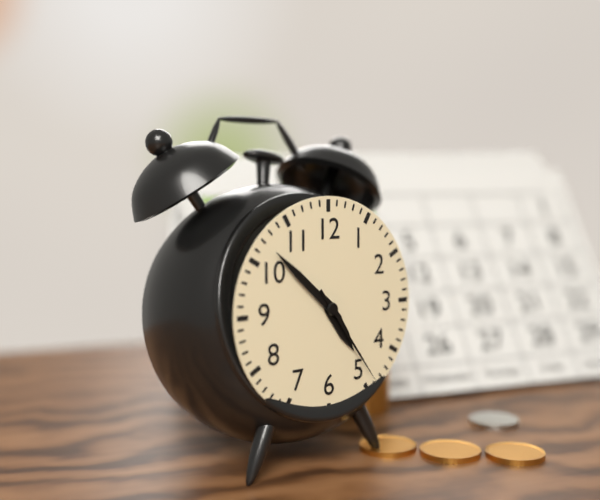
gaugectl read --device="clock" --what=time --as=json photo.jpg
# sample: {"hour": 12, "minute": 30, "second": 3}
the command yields {"hour": 4, "minute": 52, "second": 24}
